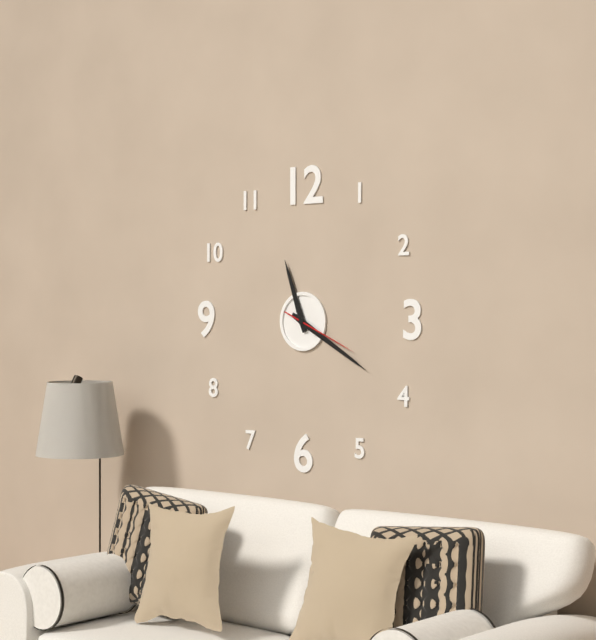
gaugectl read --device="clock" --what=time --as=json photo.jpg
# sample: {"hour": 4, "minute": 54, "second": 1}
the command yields {"hour": 11, "minute": 20, "second": 19}
